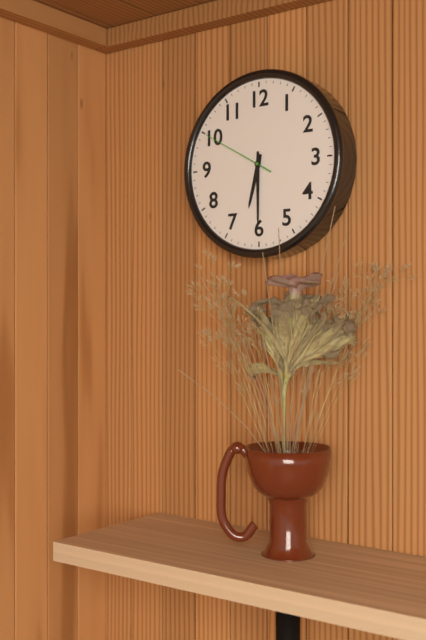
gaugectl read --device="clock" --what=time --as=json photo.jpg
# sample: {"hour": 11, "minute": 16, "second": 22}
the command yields {"hour": 6, "minute": 30, "second": 50}
